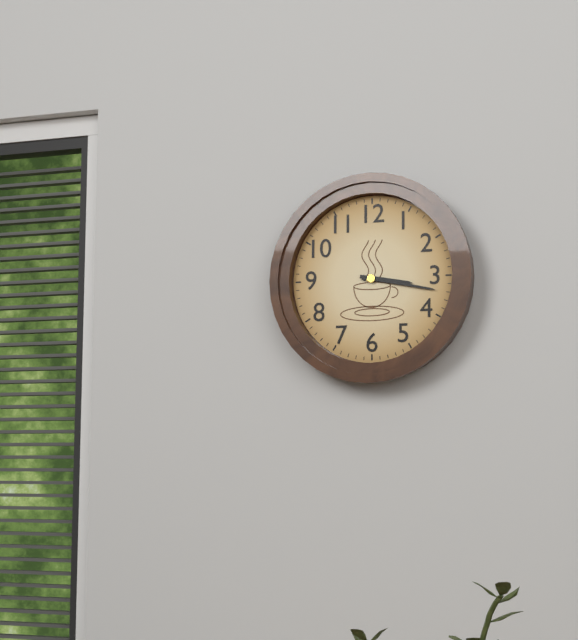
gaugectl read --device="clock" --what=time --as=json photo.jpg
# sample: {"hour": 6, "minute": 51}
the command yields {"hour": 3, "minute": 17}
